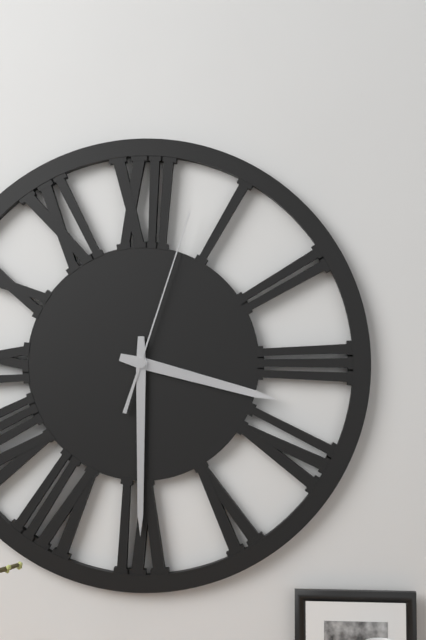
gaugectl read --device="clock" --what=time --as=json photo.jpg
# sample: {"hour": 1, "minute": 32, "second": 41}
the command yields {"hour": 3, "minute": 30, "second": 3}
